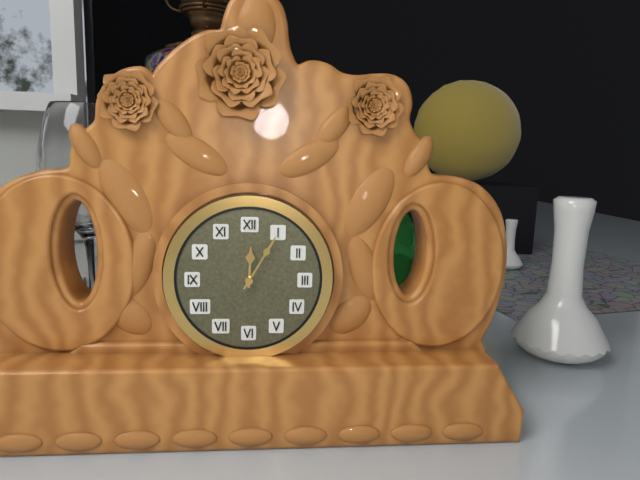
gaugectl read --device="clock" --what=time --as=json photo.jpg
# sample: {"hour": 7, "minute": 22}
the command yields {"hour": 12, "minute": 5}
